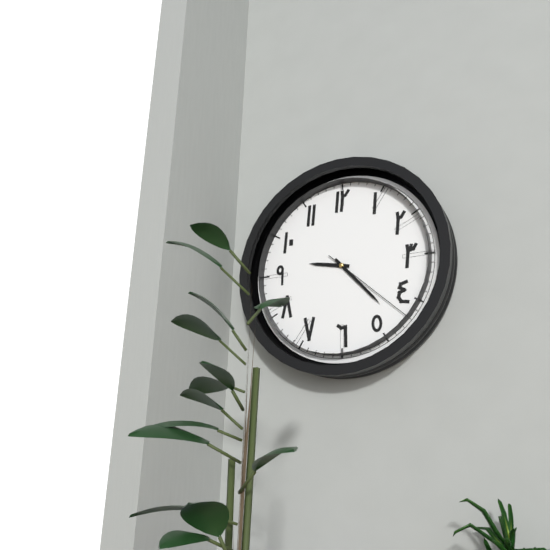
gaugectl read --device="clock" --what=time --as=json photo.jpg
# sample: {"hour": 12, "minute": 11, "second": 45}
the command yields {"hour": 9, "minute": 23, "second": 22}
